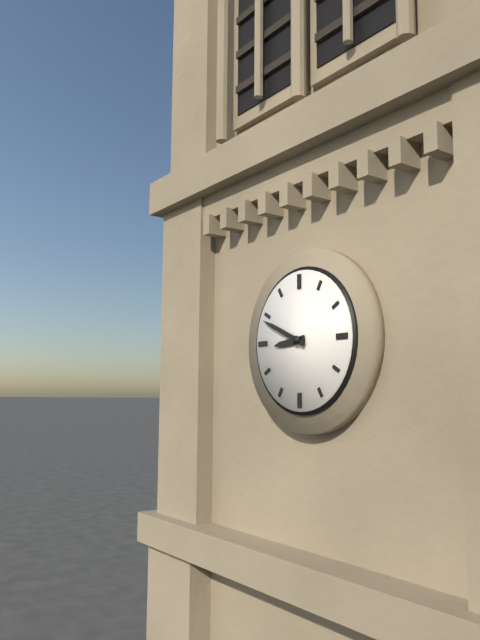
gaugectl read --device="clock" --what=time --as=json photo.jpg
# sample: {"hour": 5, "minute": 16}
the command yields {"hour": 8, "minute": 49}
